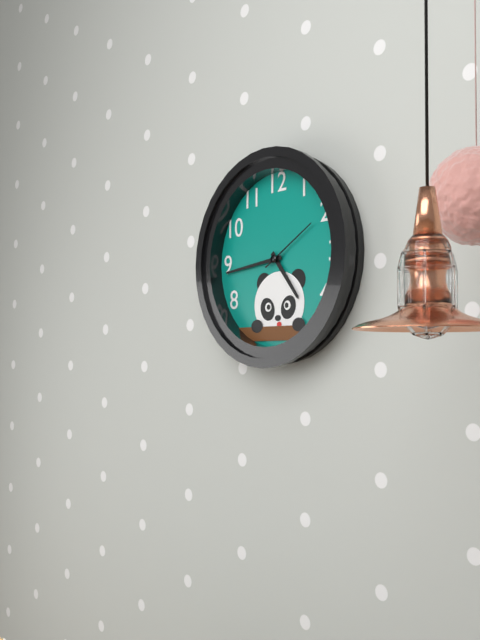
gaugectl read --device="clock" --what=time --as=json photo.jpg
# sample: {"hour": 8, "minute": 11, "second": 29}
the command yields {"hour": 4, "minute": 44, "second": 10}
